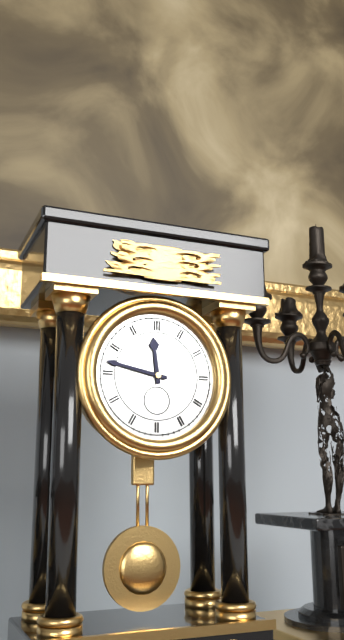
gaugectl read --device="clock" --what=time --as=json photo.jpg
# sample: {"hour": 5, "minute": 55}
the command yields {"hour": 11, "minute": 47}
